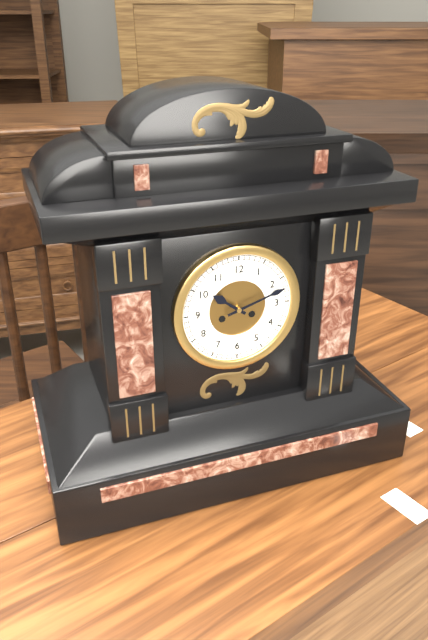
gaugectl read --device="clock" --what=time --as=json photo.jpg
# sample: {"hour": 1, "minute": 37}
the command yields {"hour": 10, "minute": 12}
